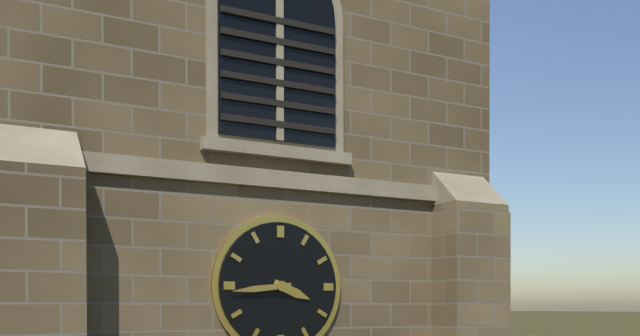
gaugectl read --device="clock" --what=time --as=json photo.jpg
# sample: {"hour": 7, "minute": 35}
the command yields {"hour": 3, "minute": 44}
